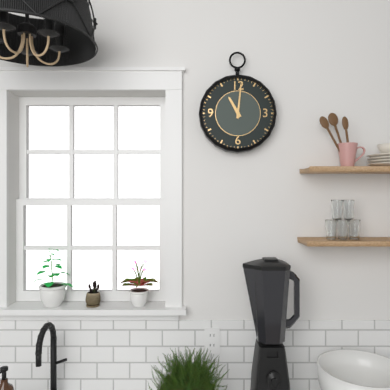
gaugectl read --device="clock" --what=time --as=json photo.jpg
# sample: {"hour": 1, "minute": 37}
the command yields {"hour": 11, "minute": 1}
